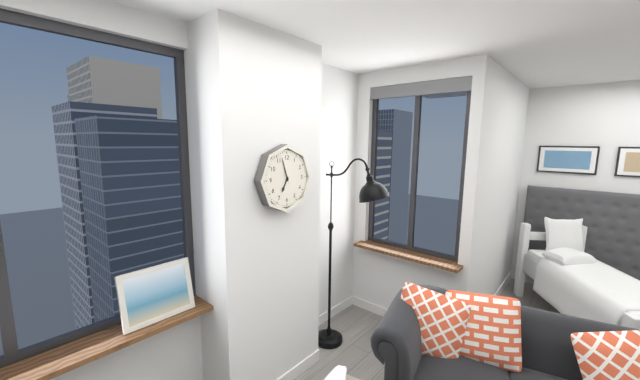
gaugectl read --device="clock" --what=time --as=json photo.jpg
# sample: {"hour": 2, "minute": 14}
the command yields {"hour": 6, "minute": 57}
